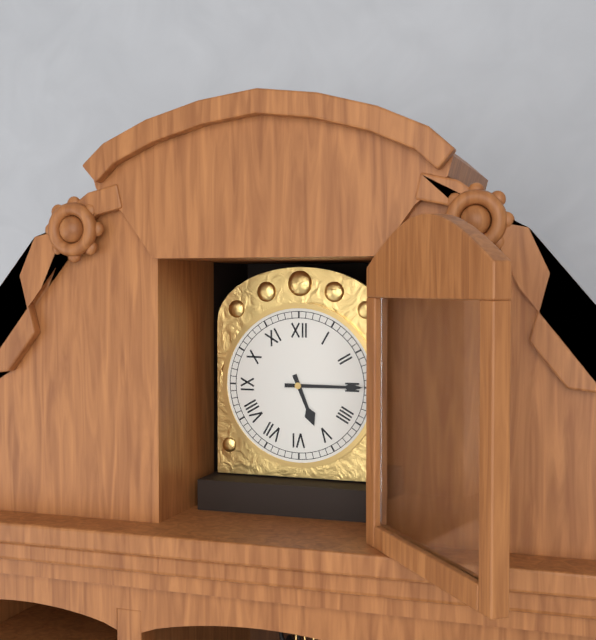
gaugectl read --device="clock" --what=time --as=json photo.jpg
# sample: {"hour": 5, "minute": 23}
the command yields {"hour": 5, "minute": 15}
